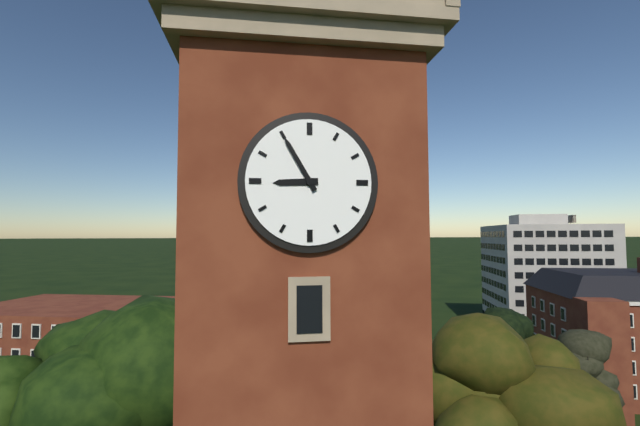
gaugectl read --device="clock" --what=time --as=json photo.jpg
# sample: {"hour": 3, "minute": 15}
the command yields {"hour": 8, "minute": 55}
